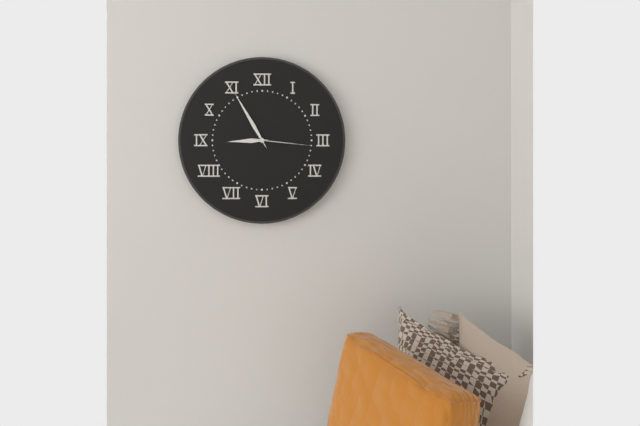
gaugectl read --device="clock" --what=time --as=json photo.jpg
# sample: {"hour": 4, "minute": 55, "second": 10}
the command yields {"hour": 8, "minute": 55, "second": 16}
